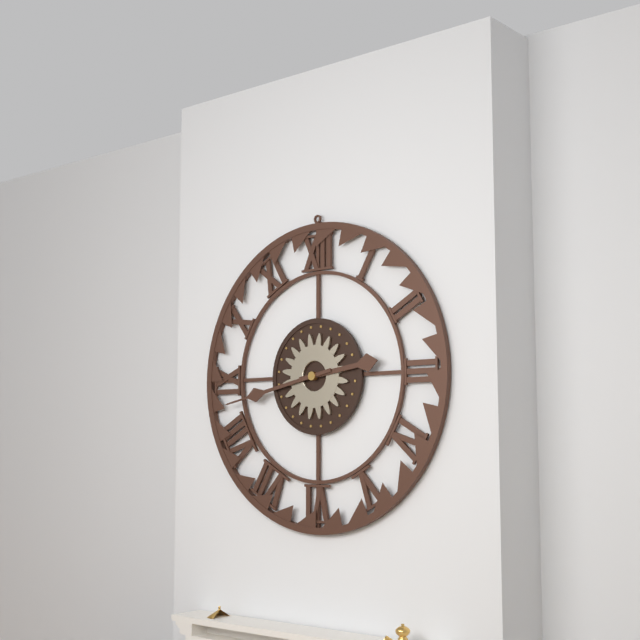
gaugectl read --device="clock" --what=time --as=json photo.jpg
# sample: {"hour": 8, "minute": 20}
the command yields {"hour": 2, "minute": 43}
